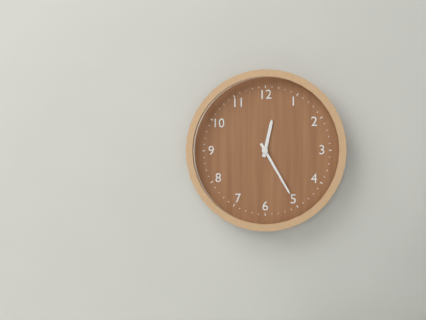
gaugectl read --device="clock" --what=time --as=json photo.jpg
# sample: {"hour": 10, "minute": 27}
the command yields {"hour": 12, "minute": 25}
